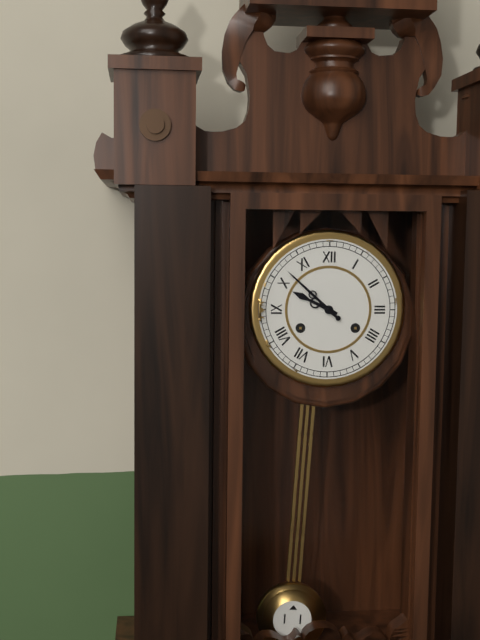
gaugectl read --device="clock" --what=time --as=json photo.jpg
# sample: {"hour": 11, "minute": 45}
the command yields {"hour": 9, "minute": 52}
